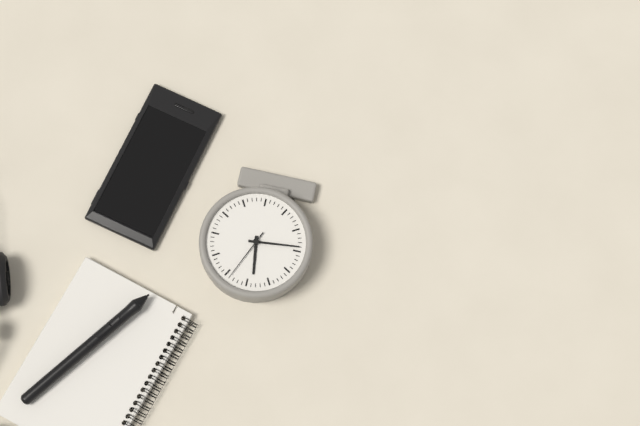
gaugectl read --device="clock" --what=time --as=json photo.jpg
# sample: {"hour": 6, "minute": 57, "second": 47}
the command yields {"hour": 11, "minute": 44, "second": 4}
